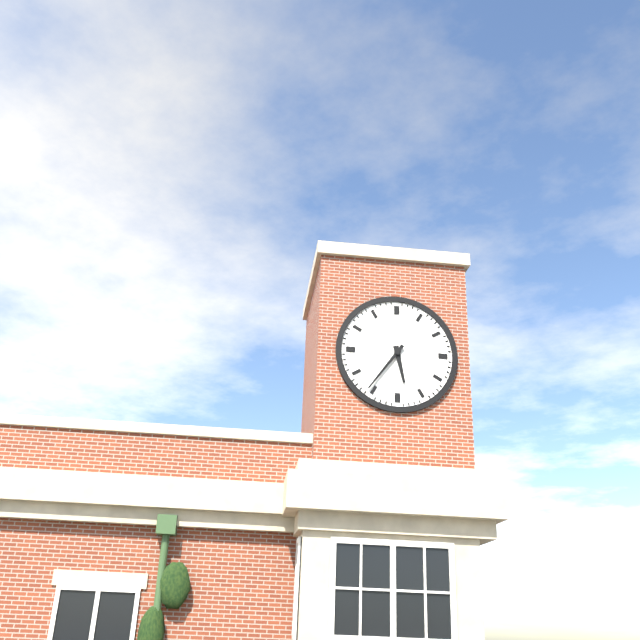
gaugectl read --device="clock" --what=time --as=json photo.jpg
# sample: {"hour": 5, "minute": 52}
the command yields {"hour": 5, "minute": 36}
